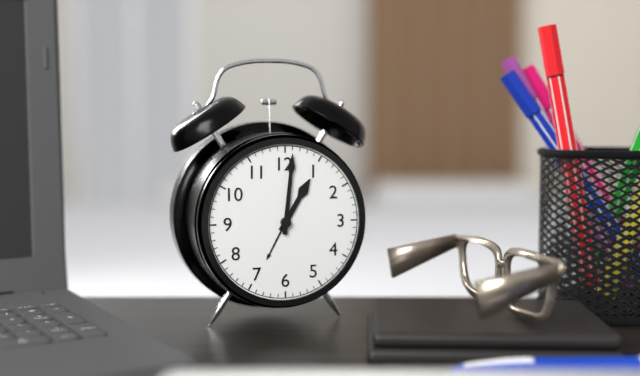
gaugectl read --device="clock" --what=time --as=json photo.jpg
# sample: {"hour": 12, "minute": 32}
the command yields {"hour": 1, "minute": 1}
